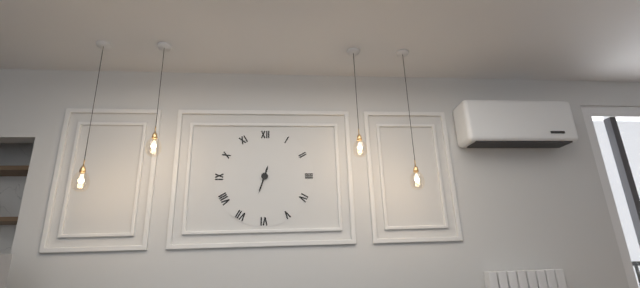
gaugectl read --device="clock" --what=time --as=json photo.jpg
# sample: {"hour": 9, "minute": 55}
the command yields {"hour": 12, "minute": 33}
